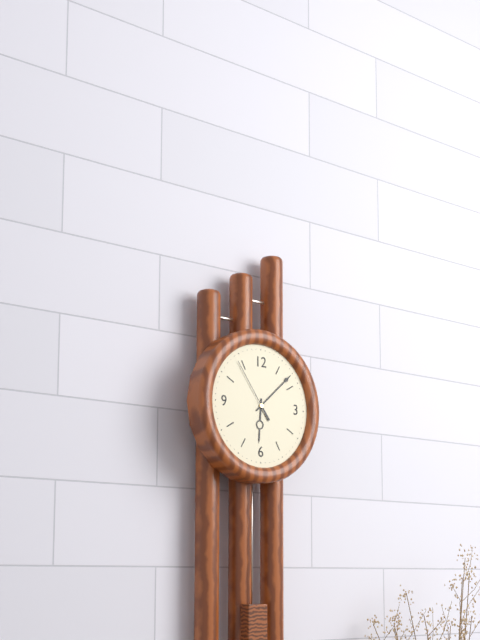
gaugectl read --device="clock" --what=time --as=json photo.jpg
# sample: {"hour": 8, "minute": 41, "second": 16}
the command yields {"hour": 6, "minute": 8, "second": 54}
